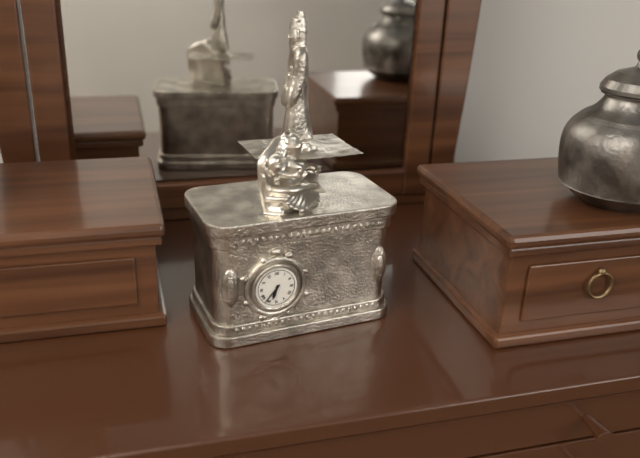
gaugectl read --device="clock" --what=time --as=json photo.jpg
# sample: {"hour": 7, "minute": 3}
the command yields {"hour": 6, "minute": 37}
